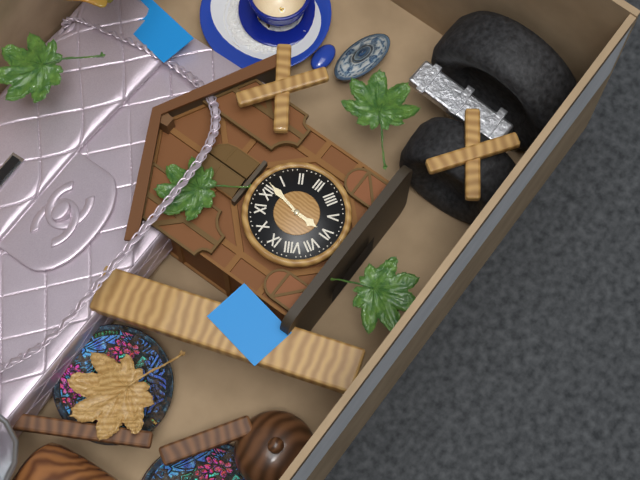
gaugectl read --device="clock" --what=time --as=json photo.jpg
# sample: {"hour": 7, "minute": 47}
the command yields {"hour": 6, "minute": 2}
